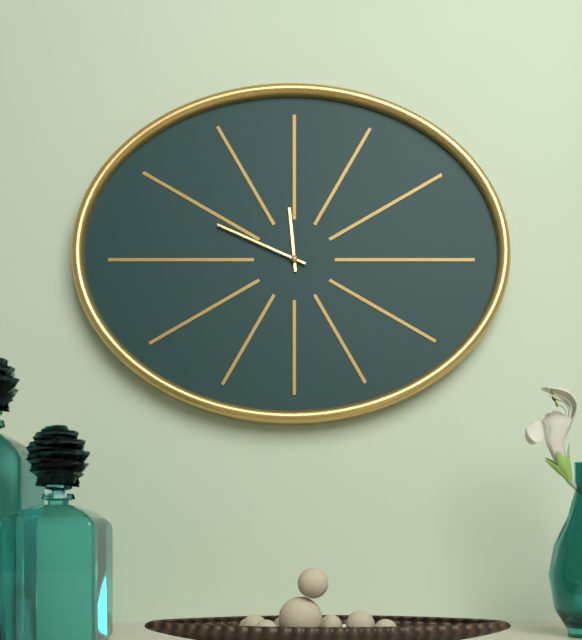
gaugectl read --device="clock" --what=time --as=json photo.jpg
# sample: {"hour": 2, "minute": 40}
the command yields {"hour": 11, "minute": 49}
